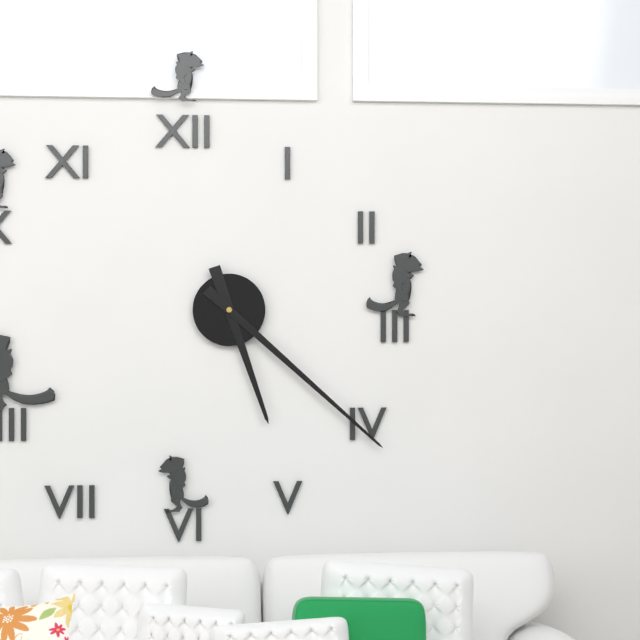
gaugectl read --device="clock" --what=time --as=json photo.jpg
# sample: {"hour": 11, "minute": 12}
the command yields {"hour": 5, "minute": 22}
